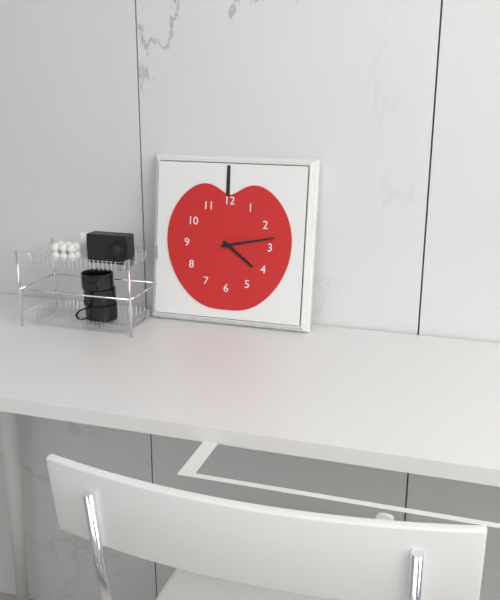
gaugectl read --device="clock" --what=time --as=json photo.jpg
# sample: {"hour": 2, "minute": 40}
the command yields {"hour": 4, "minute": 13}
